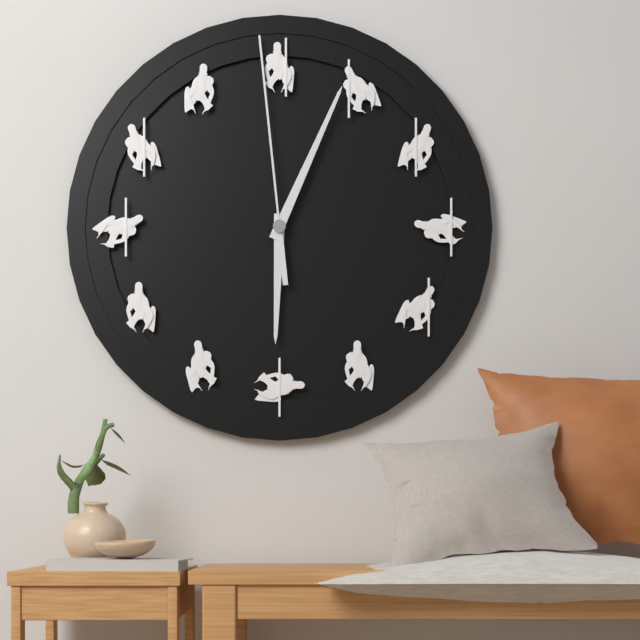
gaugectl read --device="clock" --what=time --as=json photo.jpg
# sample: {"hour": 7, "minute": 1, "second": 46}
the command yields {"hour": 6, "minute": 4, "second": 59}
